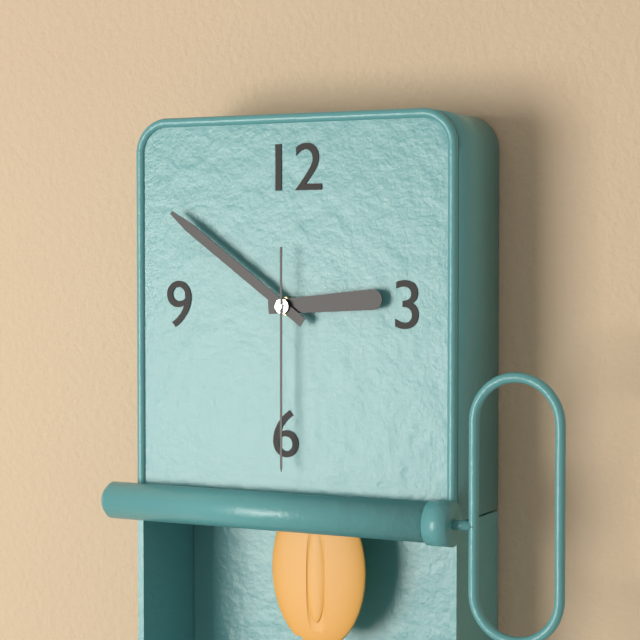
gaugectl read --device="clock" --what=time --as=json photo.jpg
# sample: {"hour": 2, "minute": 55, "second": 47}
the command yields {"hour": 2, "minute": 51, "second": 30}
